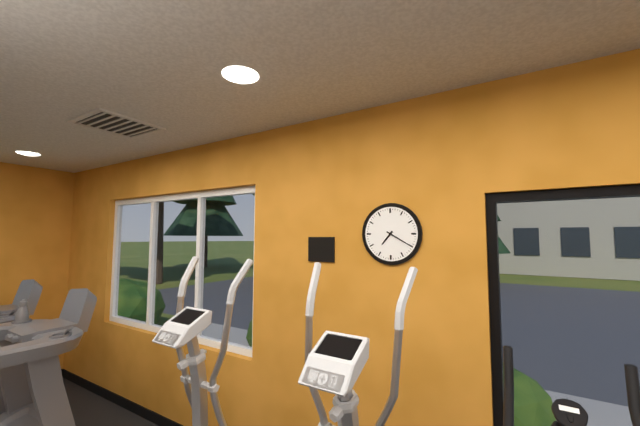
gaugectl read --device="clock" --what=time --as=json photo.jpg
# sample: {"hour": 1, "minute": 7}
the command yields {"hour": 7, "minute": 20}
